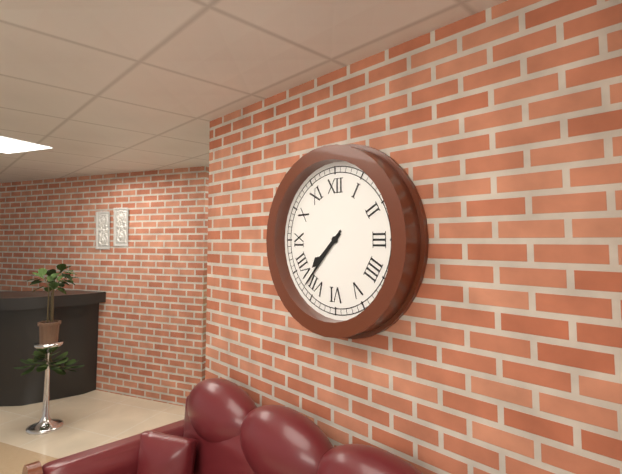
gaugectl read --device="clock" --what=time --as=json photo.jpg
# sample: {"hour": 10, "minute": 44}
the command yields {"hour": 7, "minute": 37}
